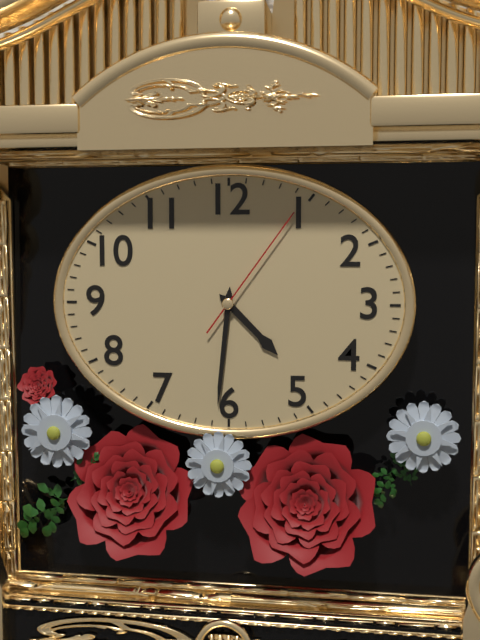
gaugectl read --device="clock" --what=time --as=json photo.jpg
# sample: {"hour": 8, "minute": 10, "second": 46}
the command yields {"hour": 4, "minute": 31, "second": 6}
